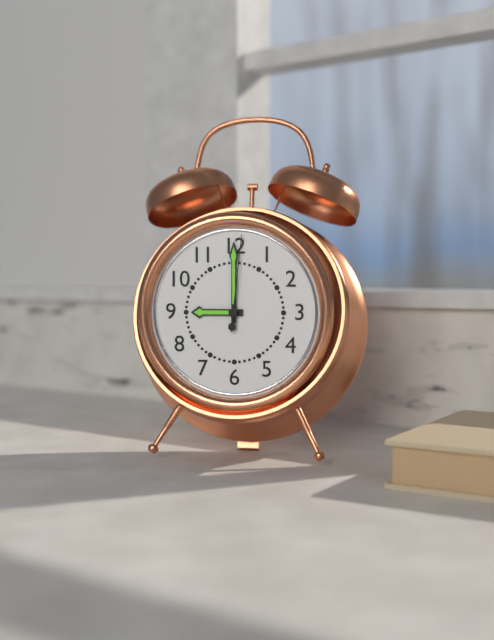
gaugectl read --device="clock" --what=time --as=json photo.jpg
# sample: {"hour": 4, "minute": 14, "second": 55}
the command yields {"hour": 9, "minute": 0, "second": 1}
